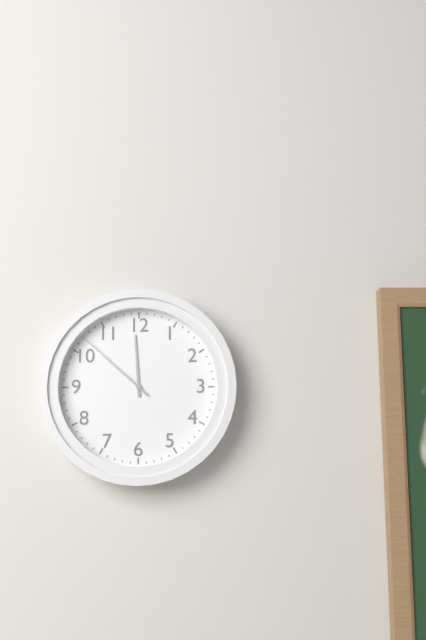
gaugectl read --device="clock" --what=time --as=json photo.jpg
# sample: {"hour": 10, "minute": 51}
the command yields {"hour": 11, "minute": 52}
